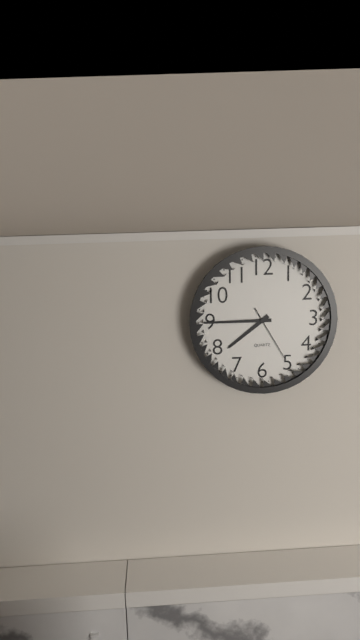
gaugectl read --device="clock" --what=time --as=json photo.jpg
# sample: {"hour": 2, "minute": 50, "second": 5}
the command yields {"hour": 7, "minute": 45, "second": 25}
